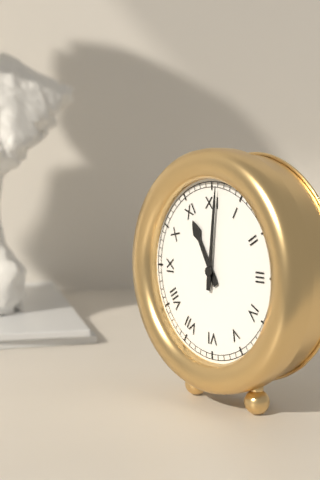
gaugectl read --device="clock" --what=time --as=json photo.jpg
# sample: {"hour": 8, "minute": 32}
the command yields {"hour": 11, "minute": 1}
